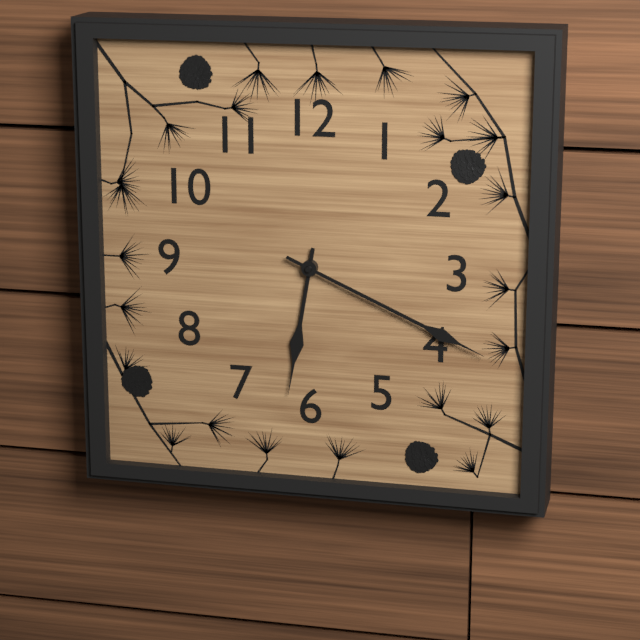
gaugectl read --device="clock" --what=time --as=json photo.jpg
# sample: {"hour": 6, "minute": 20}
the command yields {"hour": 6, "minute": 19}
